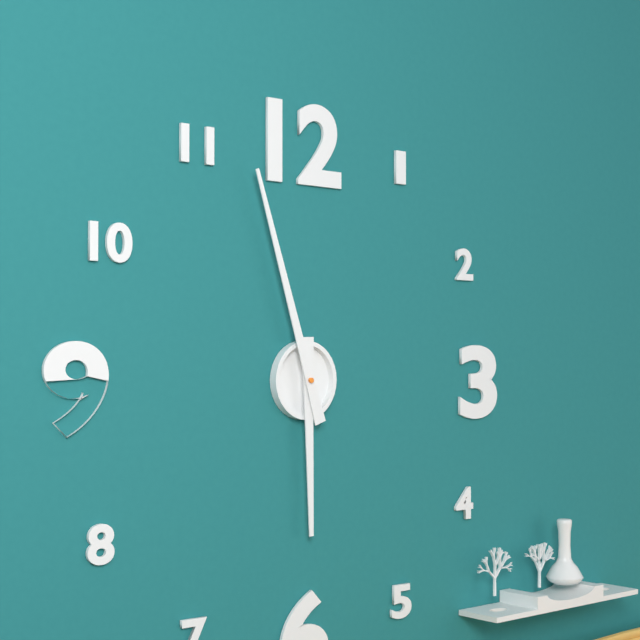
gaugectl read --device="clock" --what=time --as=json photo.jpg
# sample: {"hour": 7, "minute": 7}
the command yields {"hour": 5, "minute": 57}
